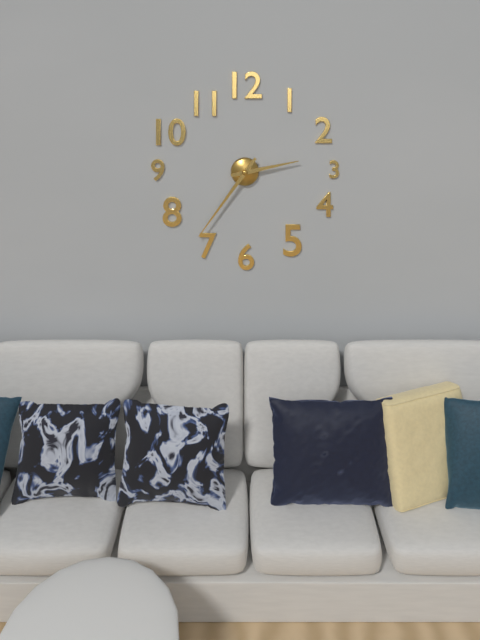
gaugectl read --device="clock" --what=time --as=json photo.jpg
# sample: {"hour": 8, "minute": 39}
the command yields {"hour": 2, "minute": 36}
